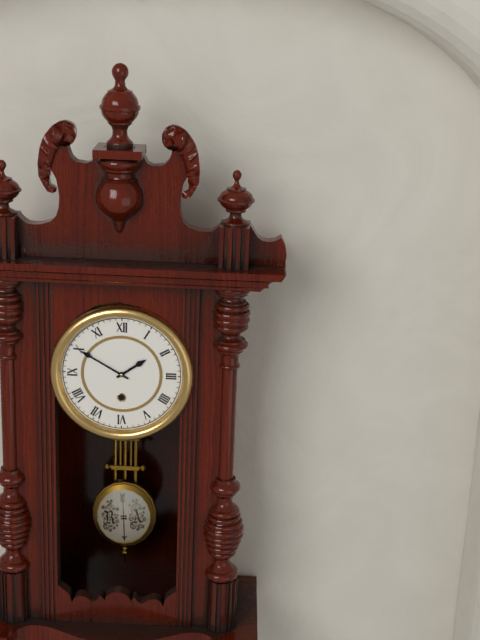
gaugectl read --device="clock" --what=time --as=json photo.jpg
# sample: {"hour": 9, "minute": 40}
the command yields {"hour": 1, "minute": 50}
